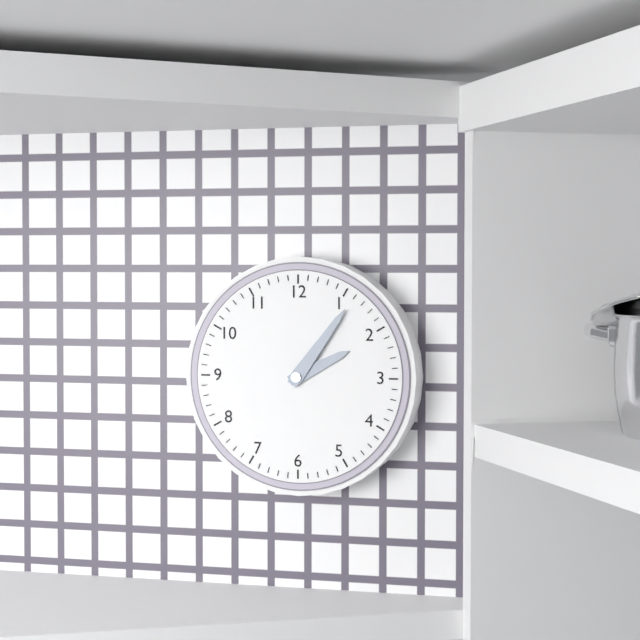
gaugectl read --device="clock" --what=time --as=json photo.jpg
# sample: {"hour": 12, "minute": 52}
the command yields {"hour": 2, "minute": 6}
